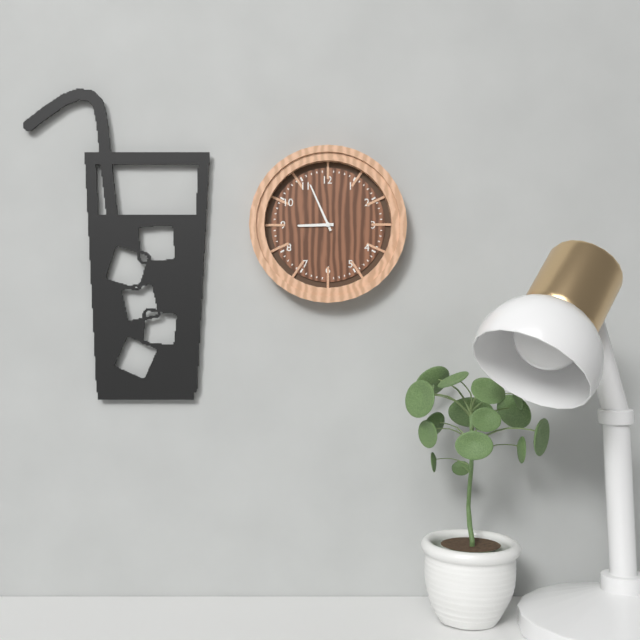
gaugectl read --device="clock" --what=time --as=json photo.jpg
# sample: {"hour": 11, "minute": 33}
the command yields {"hour": 8, "minute": 56}
